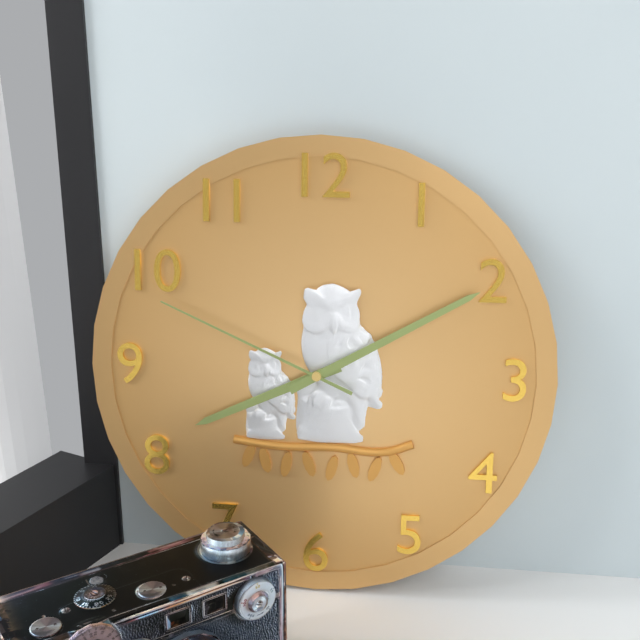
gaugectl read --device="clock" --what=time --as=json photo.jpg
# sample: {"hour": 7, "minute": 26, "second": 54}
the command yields {"hour": 8, "minute": 10, "second": 49}
